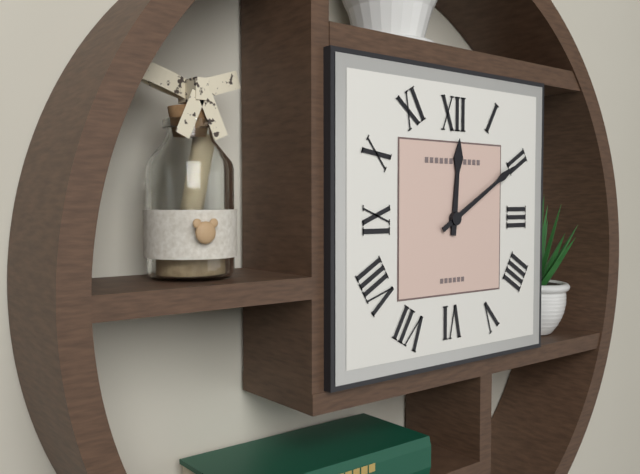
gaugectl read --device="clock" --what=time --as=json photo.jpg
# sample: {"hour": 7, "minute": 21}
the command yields {"hour": 12, "minute": 10}
